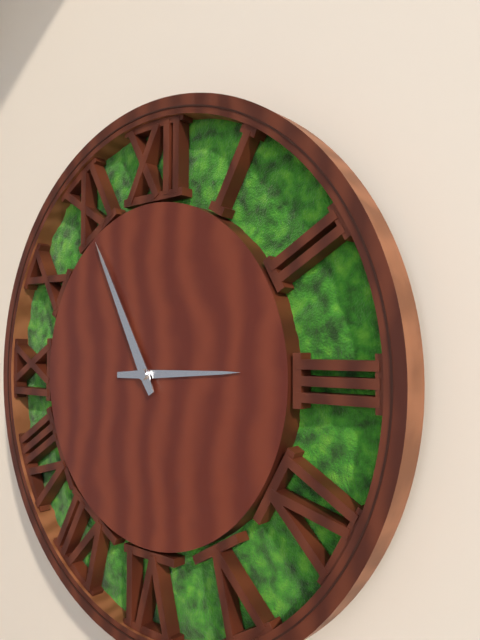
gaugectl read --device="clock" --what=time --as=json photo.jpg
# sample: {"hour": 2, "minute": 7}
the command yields {"hour": 2, "minute": 55}
